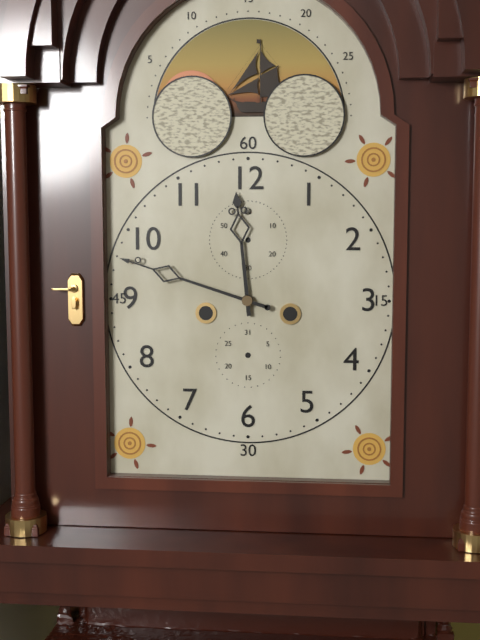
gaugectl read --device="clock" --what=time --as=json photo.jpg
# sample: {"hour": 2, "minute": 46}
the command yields {"hour": 11, "minute": 48}
